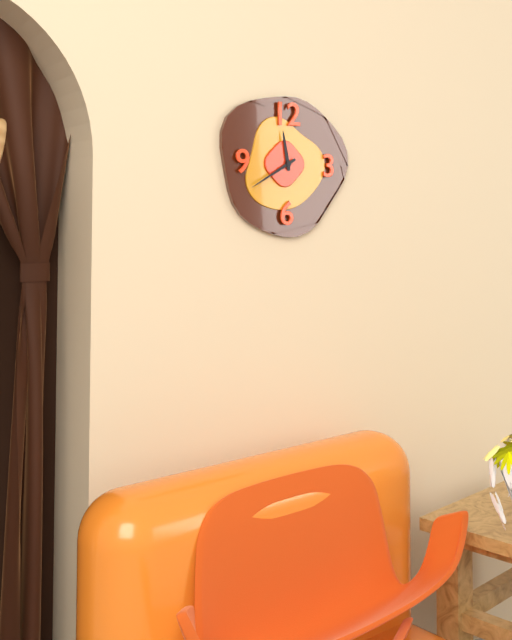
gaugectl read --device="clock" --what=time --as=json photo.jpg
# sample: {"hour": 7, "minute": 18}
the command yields {"hour": 11, "minute": 40}
